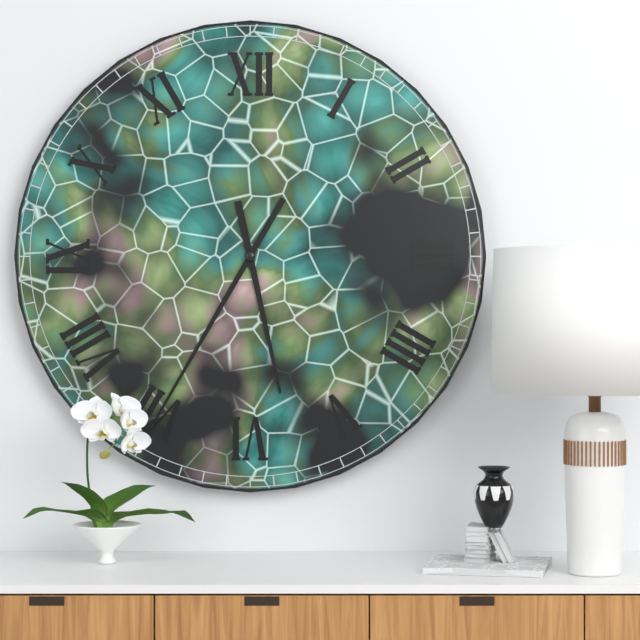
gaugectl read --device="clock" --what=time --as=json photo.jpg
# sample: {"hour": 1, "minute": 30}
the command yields {"hour": 5, "minute": 35}
